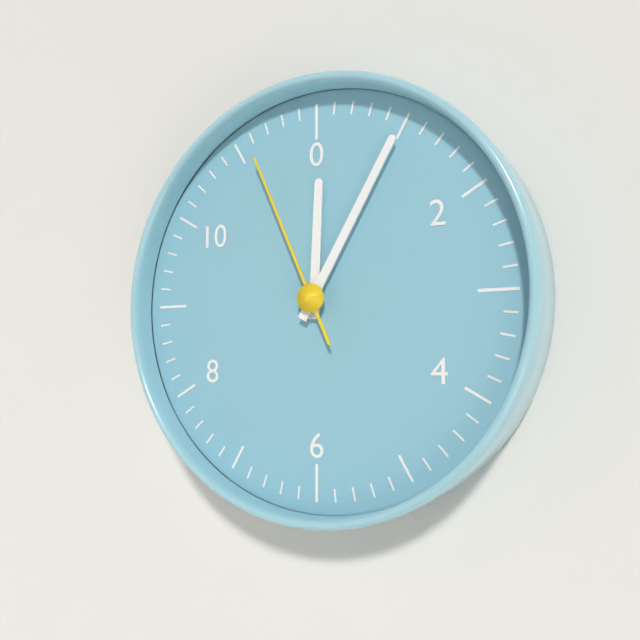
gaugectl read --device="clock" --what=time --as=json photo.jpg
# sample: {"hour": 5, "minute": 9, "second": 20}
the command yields {"hour": 12, "minute": 5, "second": 56}
